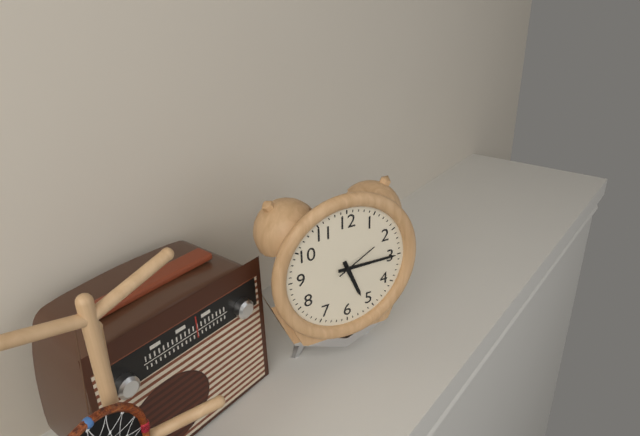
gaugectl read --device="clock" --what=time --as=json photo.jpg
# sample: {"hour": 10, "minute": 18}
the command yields {"hour": 5, "minute": 15}
